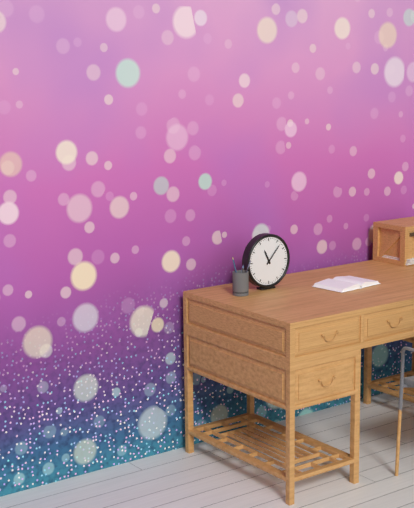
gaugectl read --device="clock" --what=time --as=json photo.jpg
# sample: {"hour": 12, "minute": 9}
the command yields {"hour": 11, "minute": 7}
